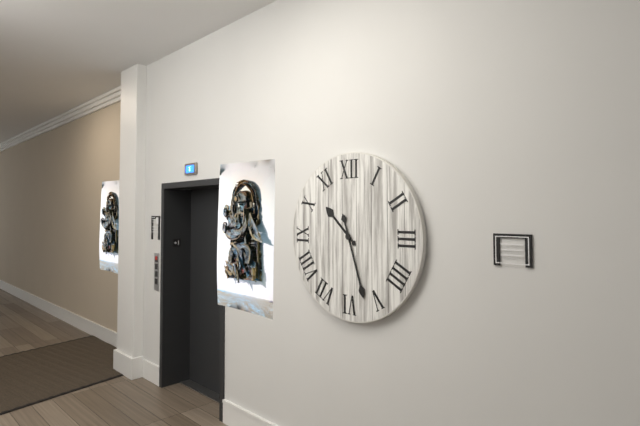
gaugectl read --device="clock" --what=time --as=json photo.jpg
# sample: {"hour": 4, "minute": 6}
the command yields {"hour": 10, "minute": 27}
